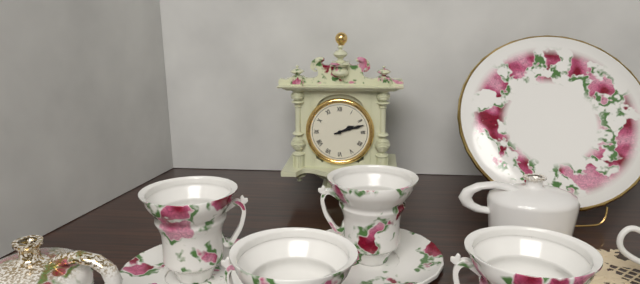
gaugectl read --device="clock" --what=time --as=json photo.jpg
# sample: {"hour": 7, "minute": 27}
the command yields {"hour": 2, "minute": 12}
